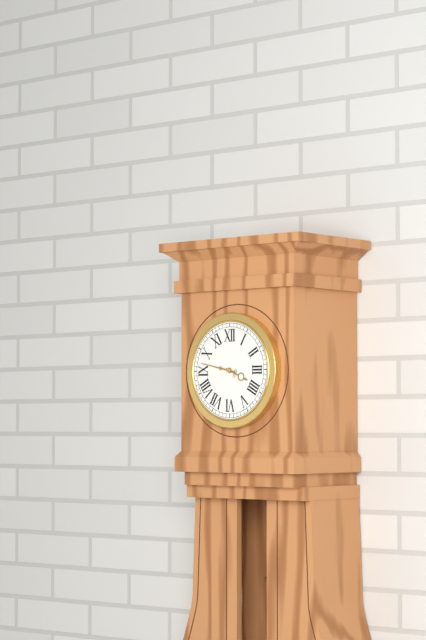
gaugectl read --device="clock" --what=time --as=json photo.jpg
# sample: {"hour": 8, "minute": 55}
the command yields {"hour": 3, "minute": 47}
